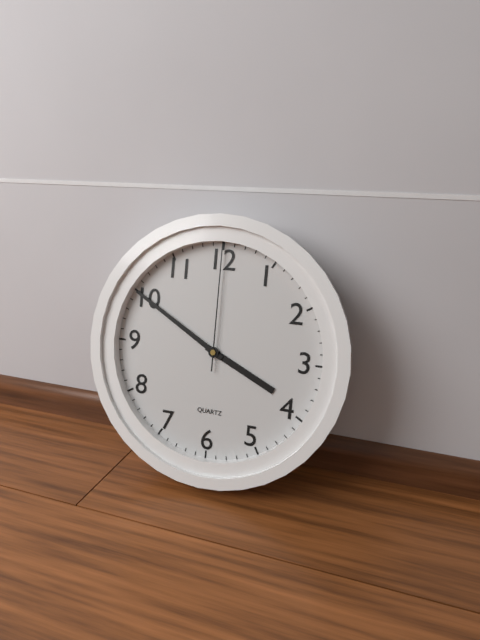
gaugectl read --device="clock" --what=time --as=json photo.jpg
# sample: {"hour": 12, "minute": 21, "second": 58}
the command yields {"hour": 3, "minute": 50, "second": 0}
